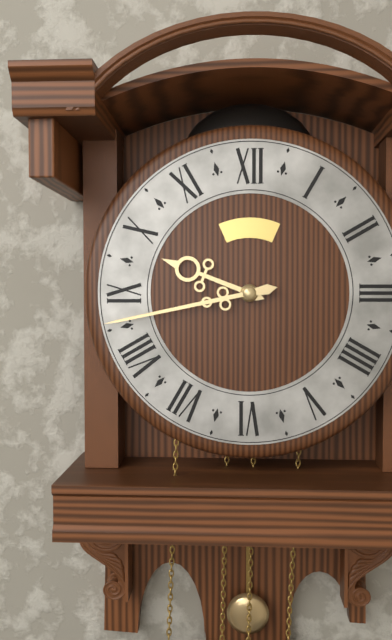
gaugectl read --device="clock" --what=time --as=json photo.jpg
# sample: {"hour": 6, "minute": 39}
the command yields {"hour": 9, "minute": 43}
